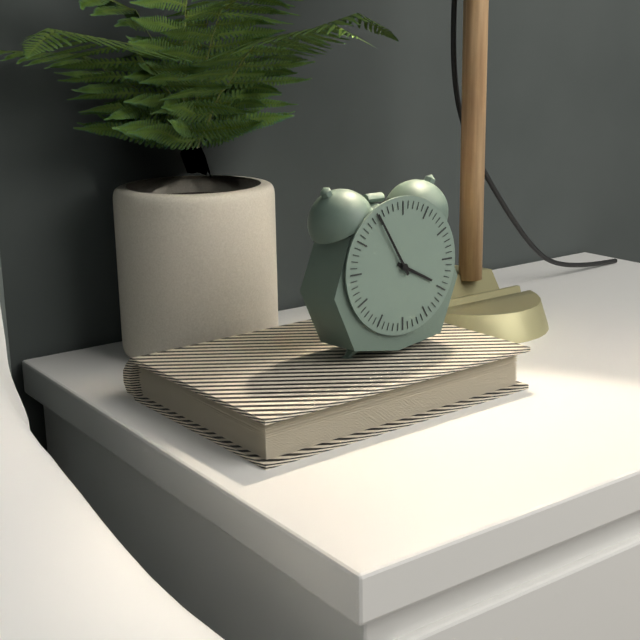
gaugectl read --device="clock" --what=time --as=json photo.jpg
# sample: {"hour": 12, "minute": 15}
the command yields {"hour": 3, "minute": 55}
